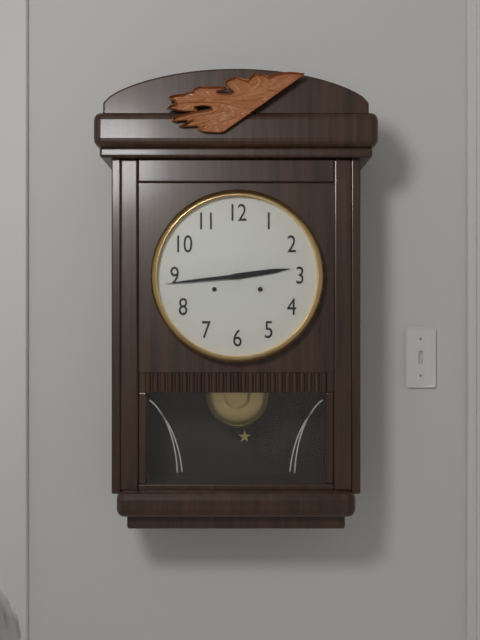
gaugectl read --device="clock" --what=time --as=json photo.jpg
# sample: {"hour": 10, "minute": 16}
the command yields {"hour": 2, "minute": 44}
